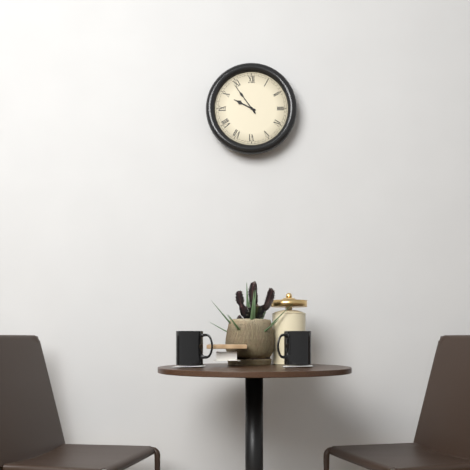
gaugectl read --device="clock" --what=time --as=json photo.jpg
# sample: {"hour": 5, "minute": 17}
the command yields {"hour": 9, "minute": 54}
